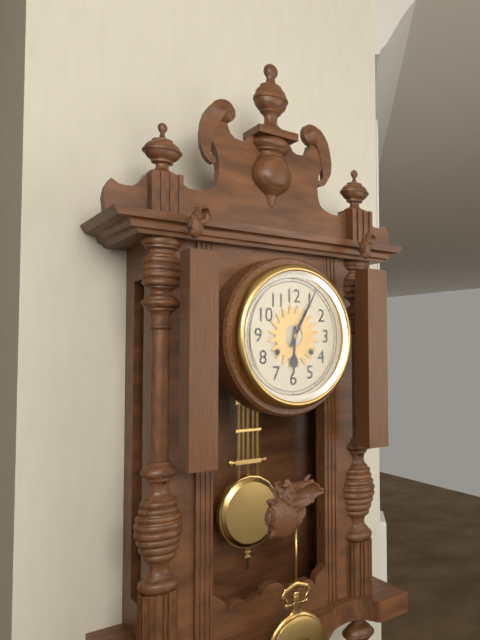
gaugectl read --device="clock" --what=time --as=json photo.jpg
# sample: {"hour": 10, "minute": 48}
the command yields {"hour": 6, "minute": 5}
